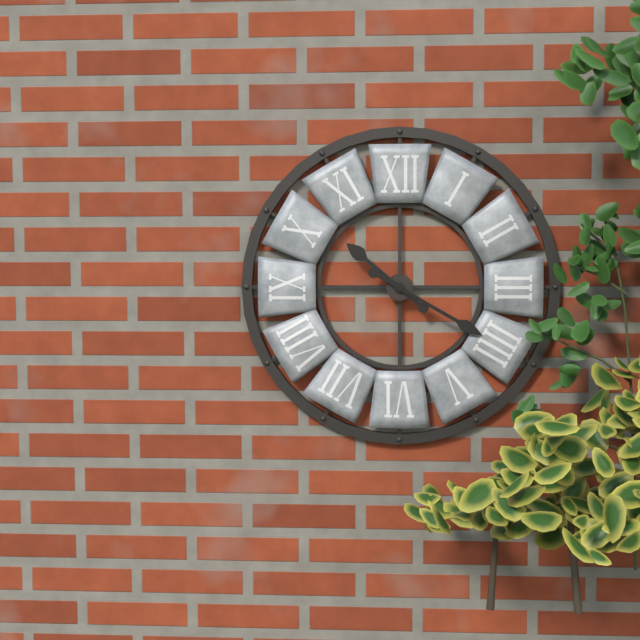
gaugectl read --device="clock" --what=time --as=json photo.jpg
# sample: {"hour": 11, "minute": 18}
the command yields {"hour": 10, "minute": 20}
